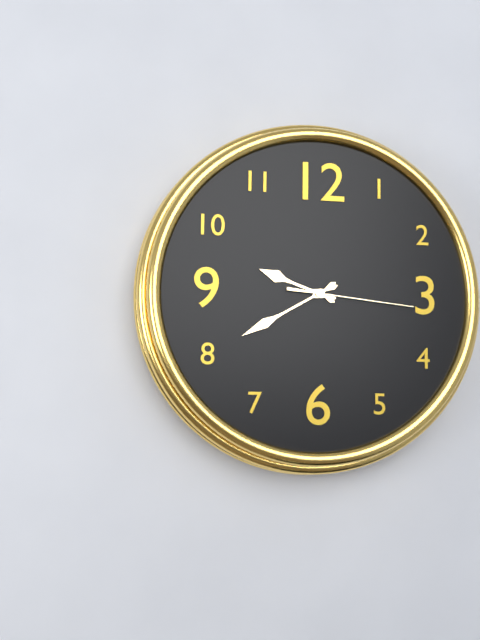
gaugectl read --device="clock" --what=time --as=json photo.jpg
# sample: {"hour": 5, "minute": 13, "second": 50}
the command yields {"hour": 9, "minute": 40, "second": 16}
